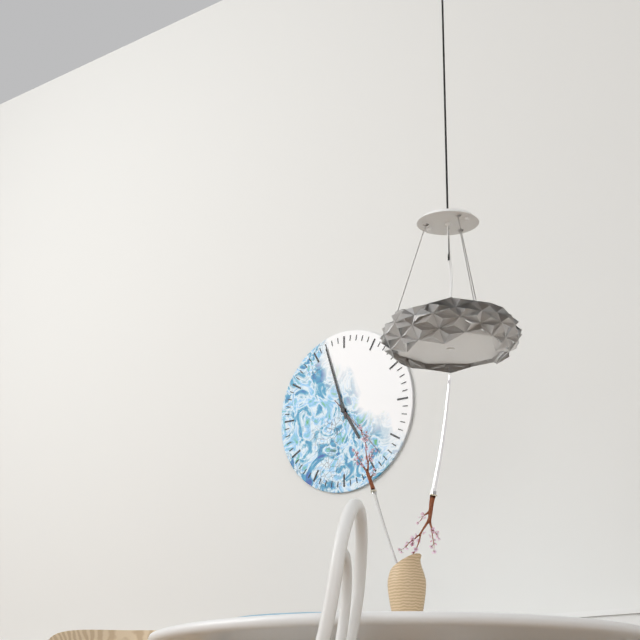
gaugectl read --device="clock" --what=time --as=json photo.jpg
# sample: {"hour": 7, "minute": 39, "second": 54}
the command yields {"hour": 4, "minute": 57, "second": 23}
